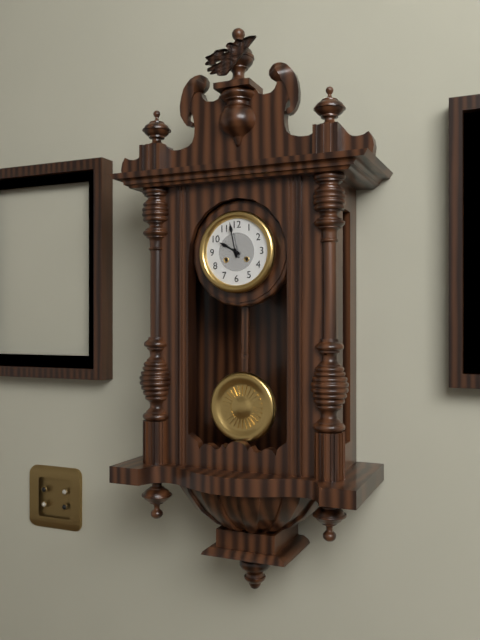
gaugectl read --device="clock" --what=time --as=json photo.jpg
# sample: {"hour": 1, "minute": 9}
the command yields {"hour": 9, "minute": 58}
